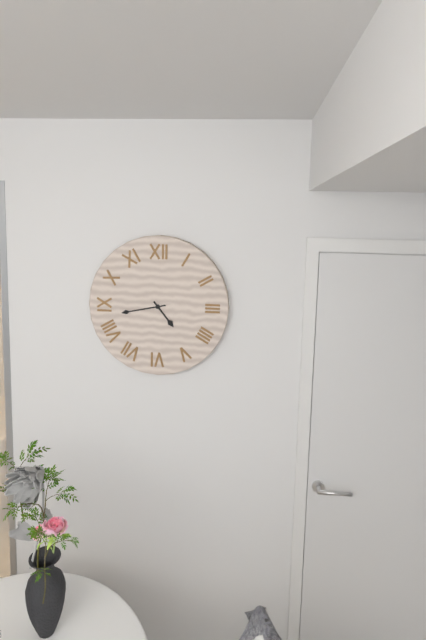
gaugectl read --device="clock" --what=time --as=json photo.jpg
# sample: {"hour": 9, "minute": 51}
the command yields {"hour": 4, "minute": 43}
